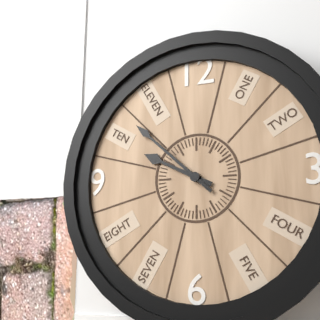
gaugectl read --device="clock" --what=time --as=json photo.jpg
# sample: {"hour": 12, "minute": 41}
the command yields {"hour": 9, "minute": 52}
